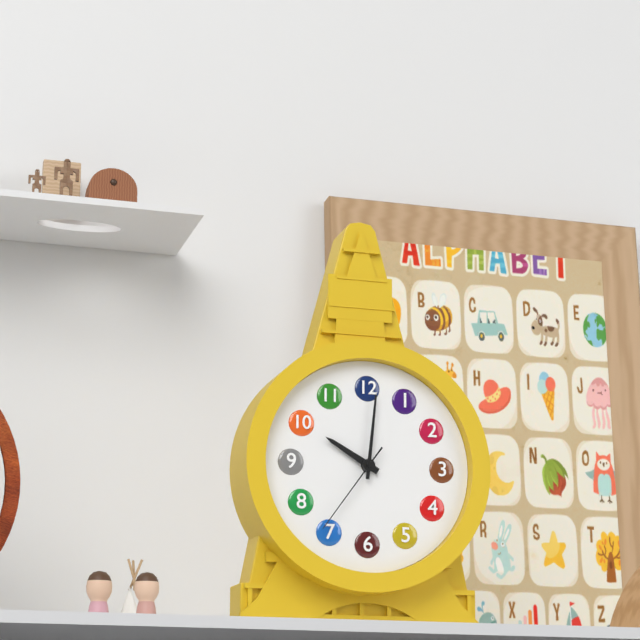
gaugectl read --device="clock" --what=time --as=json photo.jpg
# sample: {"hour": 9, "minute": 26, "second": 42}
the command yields {"hour": 10, "minute": 1, "second": 36}
